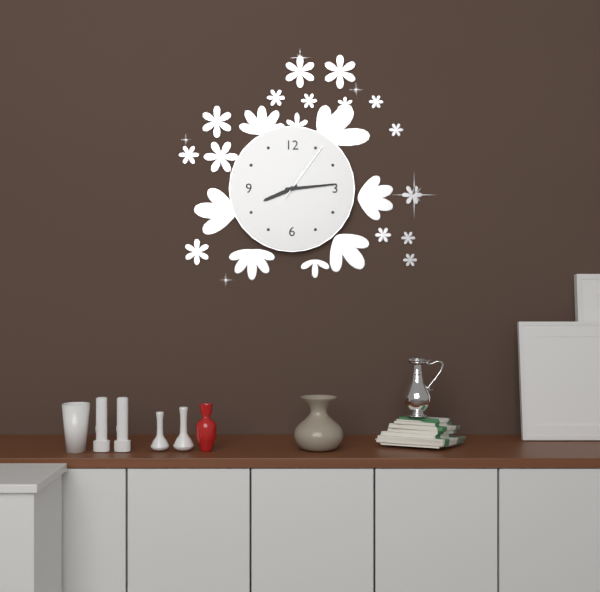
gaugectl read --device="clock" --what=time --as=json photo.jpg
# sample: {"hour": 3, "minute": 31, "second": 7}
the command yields {"hour": 8, "minute": 14, "second": 6}
